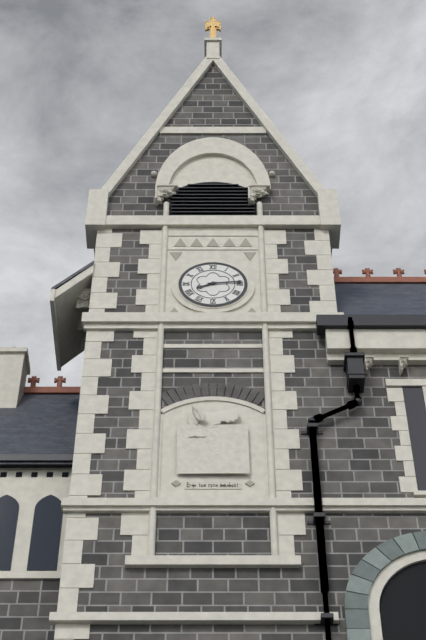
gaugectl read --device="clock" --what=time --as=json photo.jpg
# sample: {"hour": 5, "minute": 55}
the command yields {"hour": 8, "minute": 14}
